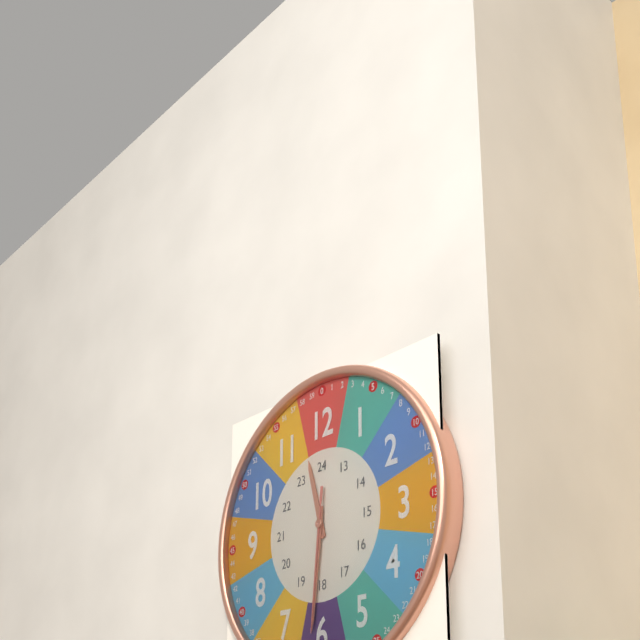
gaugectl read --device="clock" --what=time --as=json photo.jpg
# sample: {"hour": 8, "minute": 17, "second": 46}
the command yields {"hour": 11, "minute": 31, "second": 31}
